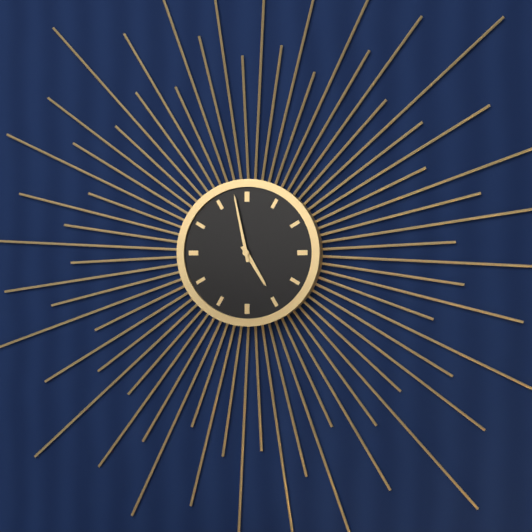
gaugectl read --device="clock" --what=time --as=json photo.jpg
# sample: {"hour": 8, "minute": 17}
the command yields {"hour": 4, "minute": 58}
